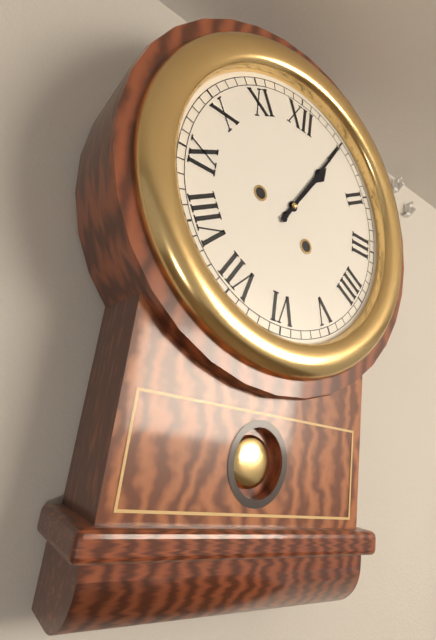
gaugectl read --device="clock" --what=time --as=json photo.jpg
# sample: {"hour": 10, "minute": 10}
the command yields {"hour": 1, "minute": 5}
